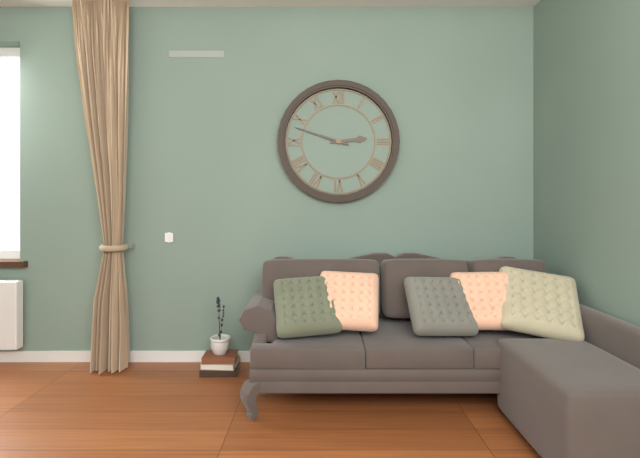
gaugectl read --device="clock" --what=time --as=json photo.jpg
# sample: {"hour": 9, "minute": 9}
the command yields {"hour": 2, "minute": 48}
